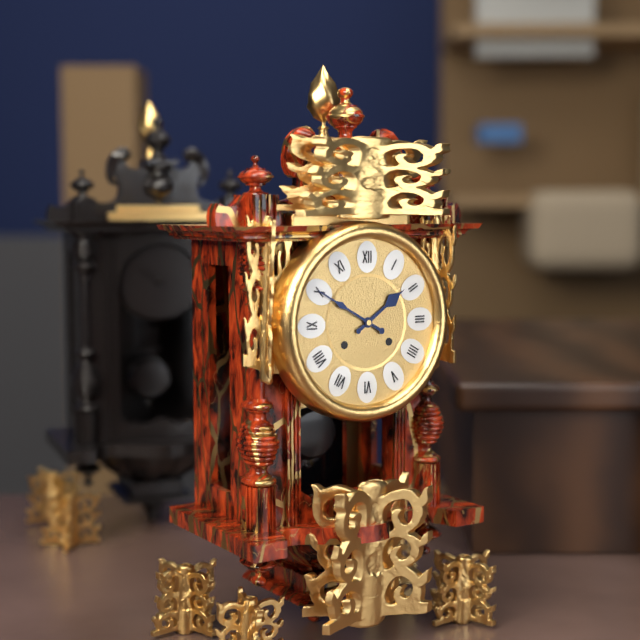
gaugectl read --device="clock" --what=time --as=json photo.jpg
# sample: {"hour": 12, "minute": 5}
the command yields {"hour": 1, "minute": 50}
